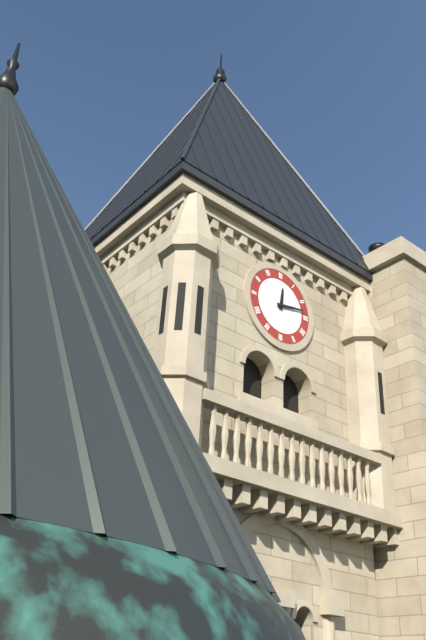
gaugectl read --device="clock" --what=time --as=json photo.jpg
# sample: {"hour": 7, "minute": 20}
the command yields {"hour": 12, "minute": 13}
